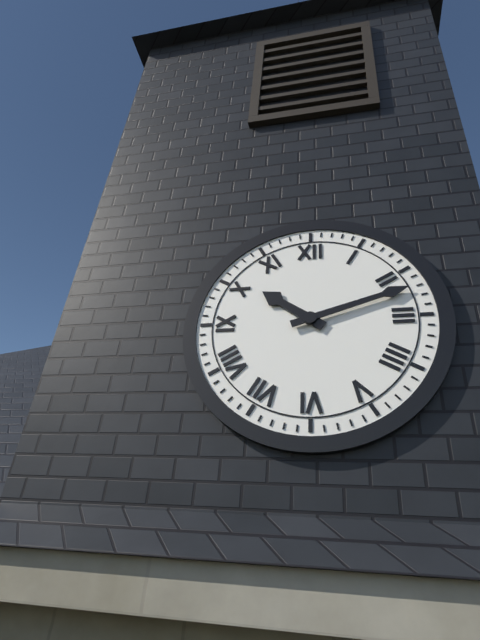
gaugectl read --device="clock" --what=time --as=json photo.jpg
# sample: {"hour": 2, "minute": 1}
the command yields {"hour": 10, "minute": 12}
